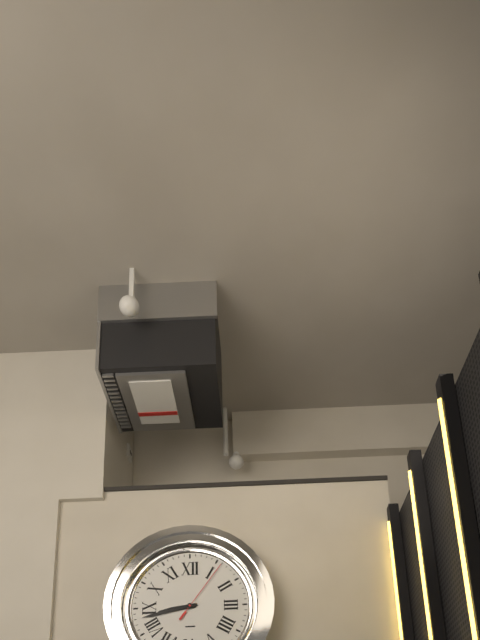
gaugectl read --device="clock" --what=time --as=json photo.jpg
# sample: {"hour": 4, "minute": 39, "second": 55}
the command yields {"hour": 8, "minute": 43, "second": 6}
